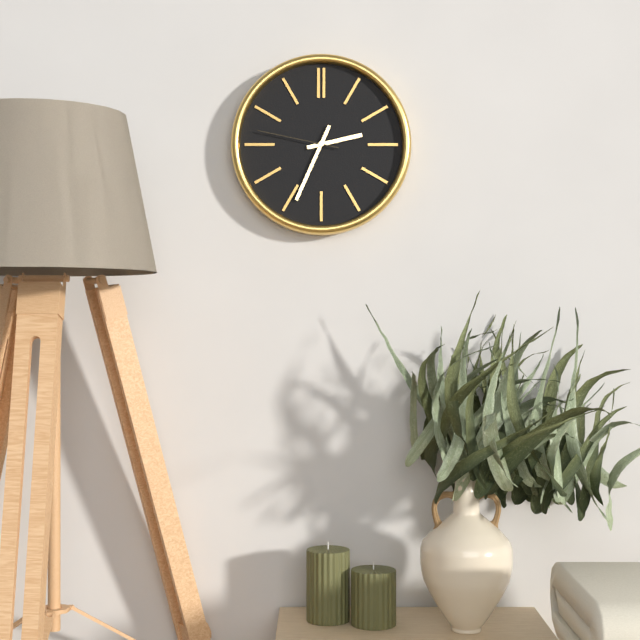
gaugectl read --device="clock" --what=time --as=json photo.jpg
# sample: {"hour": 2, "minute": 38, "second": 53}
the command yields {"hour": 2, "minute": 34, "second": 47}
